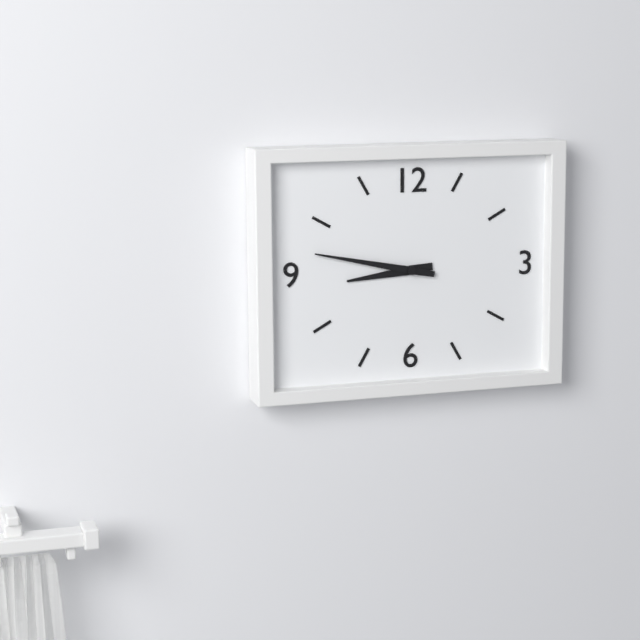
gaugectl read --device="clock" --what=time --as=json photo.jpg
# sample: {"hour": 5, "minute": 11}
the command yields {"hour": 8, "minute": 47}
